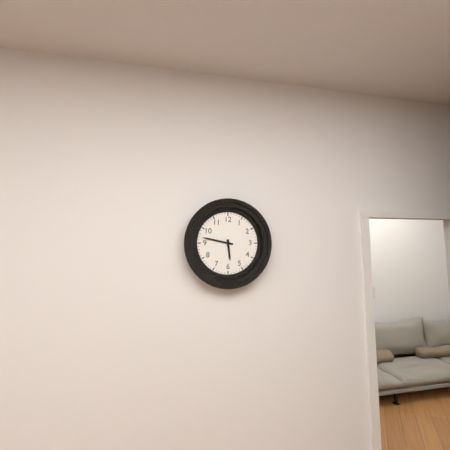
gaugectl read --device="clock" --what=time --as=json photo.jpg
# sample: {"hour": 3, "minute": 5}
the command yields {"hour": 5, "minute": 47}
